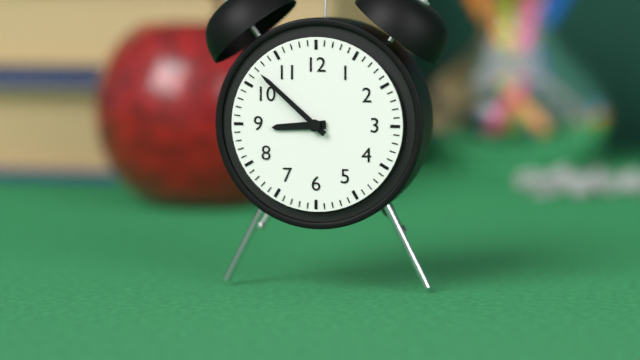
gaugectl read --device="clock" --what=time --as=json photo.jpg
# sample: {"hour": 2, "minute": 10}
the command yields {"hour": 8, "minute": 52}
